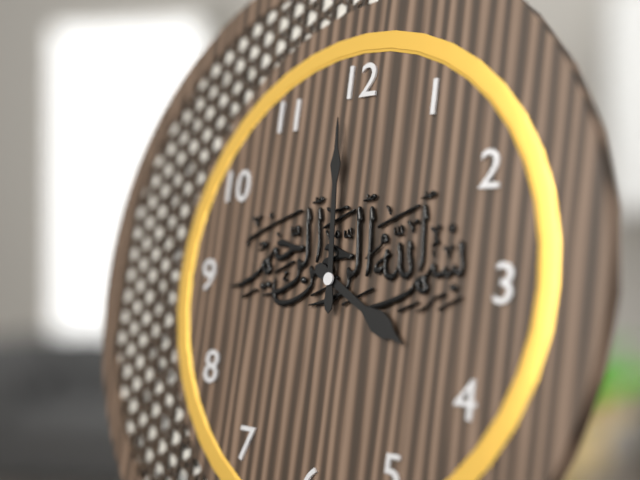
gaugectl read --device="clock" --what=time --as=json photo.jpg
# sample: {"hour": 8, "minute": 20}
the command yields {"hour": 3, "minute": 59}
